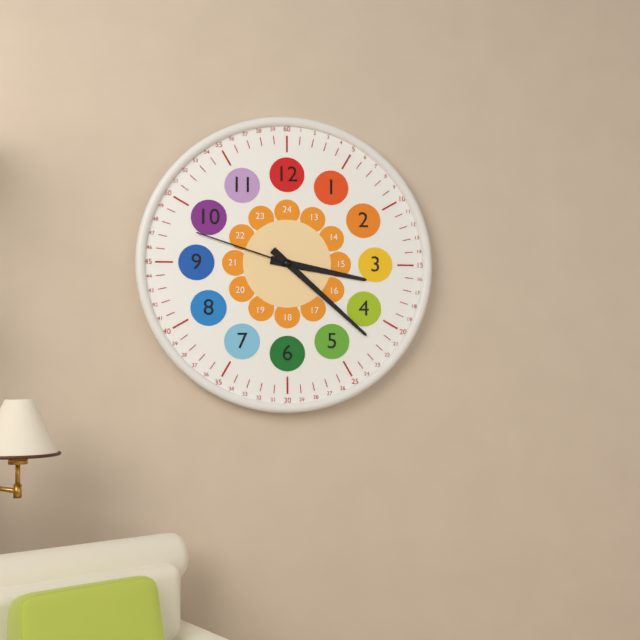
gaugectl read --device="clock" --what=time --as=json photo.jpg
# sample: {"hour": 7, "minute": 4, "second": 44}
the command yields {"hour": 3, "minute": 22, "second": 48}
